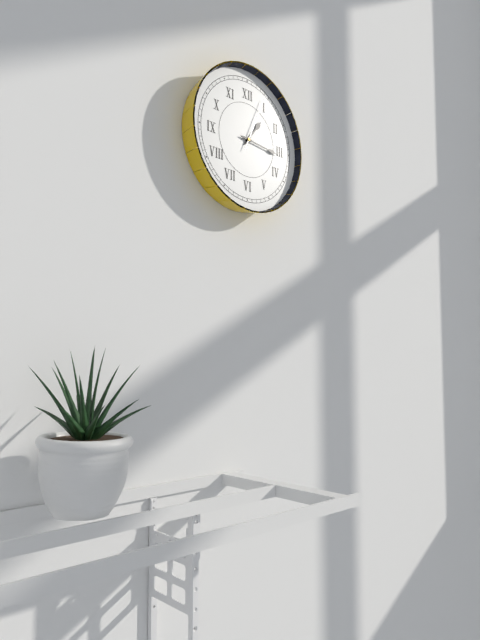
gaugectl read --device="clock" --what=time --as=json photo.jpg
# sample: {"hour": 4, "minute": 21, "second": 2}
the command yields {"hour": 1, "minute": 16, "second": 4}
